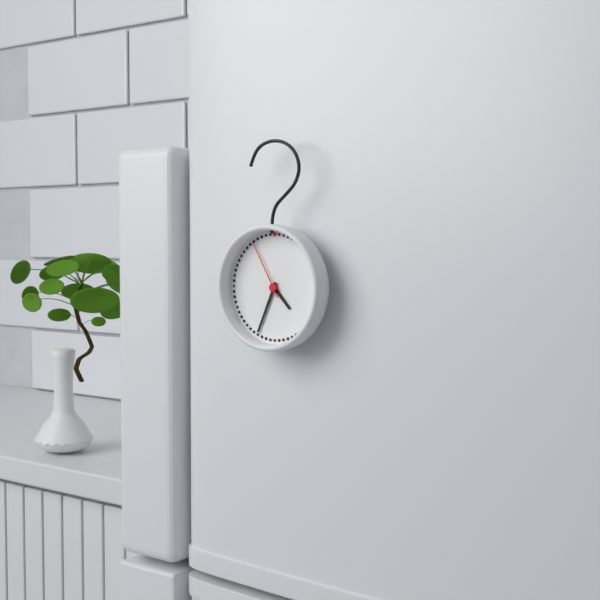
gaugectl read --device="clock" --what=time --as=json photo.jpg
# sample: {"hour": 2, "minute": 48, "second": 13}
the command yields {"hour": 4, "minute": 34, "second": 55}
